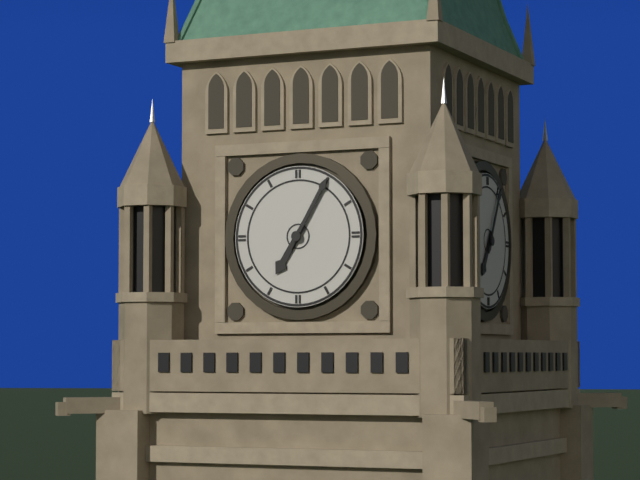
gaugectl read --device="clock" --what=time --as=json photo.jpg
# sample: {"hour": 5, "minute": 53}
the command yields {"hour": 7, "minute": 5}
